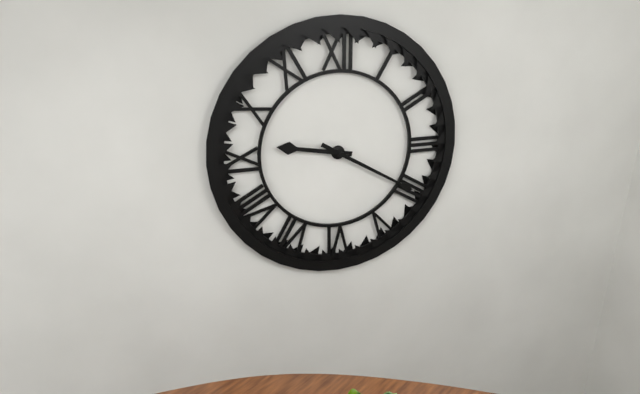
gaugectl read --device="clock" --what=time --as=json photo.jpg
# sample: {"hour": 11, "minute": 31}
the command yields {"hour": 9, "minute": 20}
